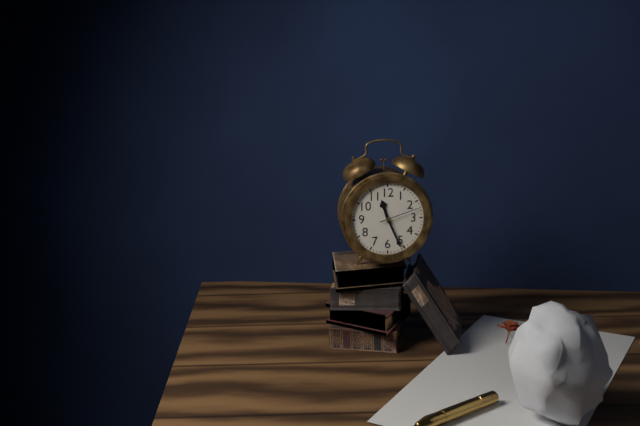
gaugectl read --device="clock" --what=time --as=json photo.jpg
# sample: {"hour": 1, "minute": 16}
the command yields {"hour": 11, "minute": 26}
